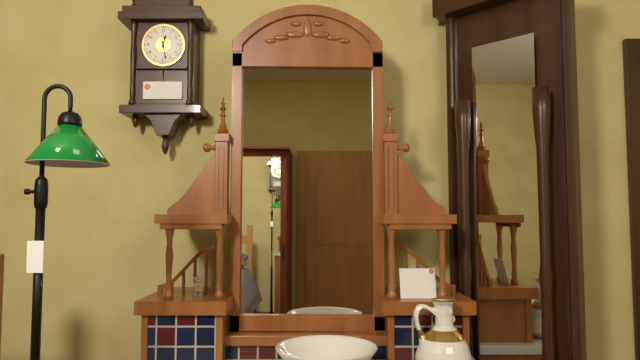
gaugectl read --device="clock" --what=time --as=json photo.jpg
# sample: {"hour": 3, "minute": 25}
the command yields {"hour": 12, "minute": 28}
